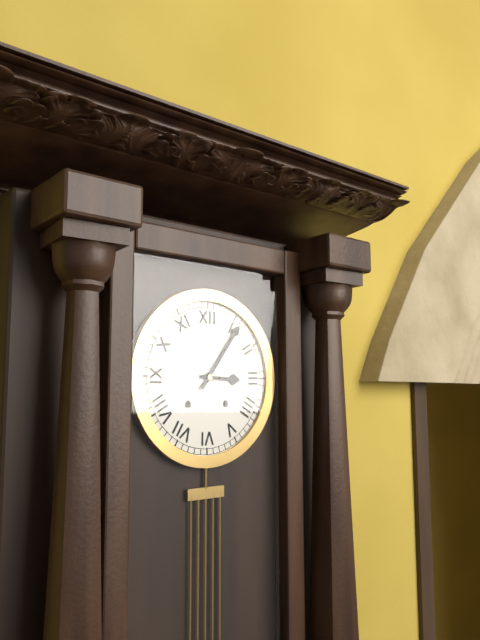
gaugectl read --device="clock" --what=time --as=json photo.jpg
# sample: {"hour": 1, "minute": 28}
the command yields {"hour": 3, "minute": 6}
